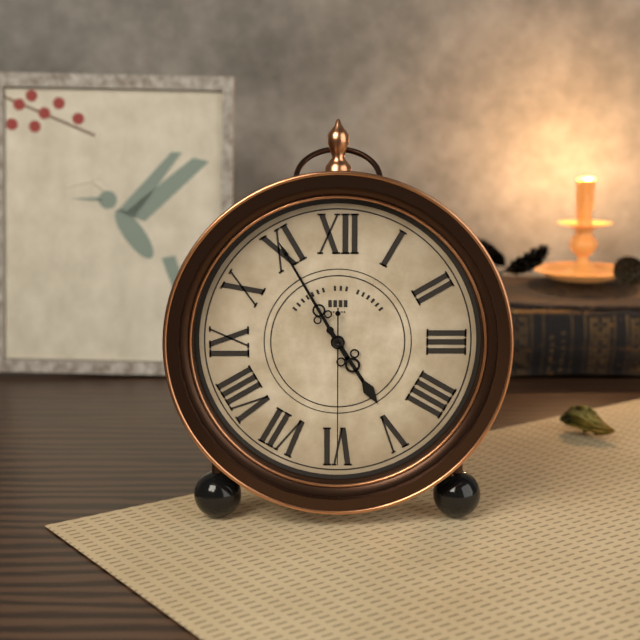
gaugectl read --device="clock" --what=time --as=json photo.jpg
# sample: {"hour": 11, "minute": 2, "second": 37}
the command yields {"hour": 4, "minute": 55, "second": 30}
